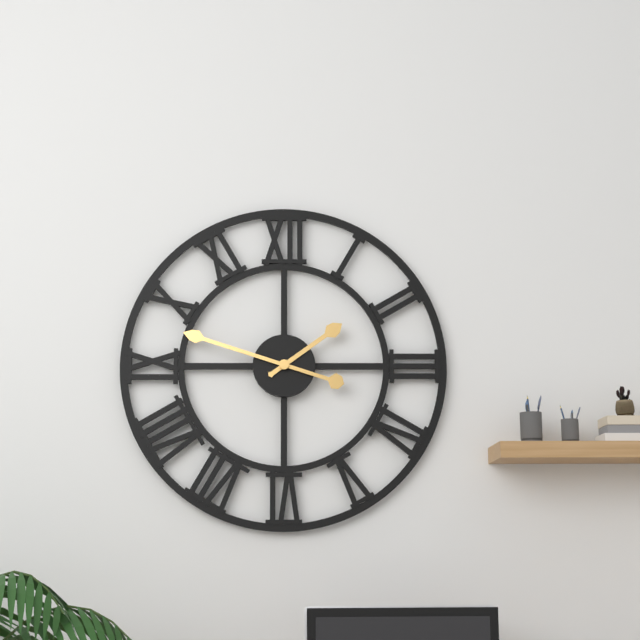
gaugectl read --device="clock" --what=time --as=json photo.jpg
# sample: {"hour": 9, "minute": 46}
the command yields {"hour": 1, "minute": 48}
